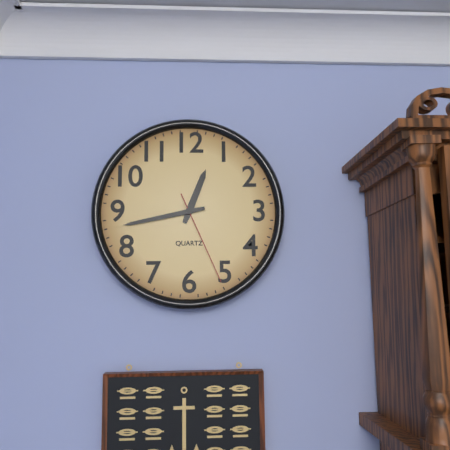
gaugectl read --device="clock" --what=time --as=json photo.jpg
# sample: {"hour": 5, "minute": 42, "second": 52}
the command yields {"hour": 12, "minute": 43, "second": 26}
